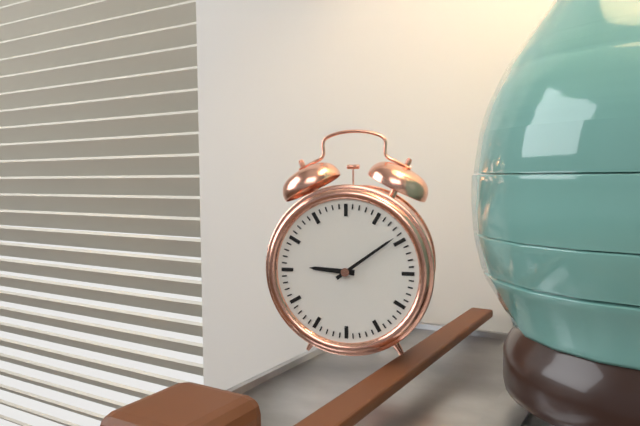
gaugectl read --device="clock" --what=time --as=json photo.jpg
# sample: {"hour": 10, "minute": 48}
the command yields {"hour": 9, "minute": 9}
